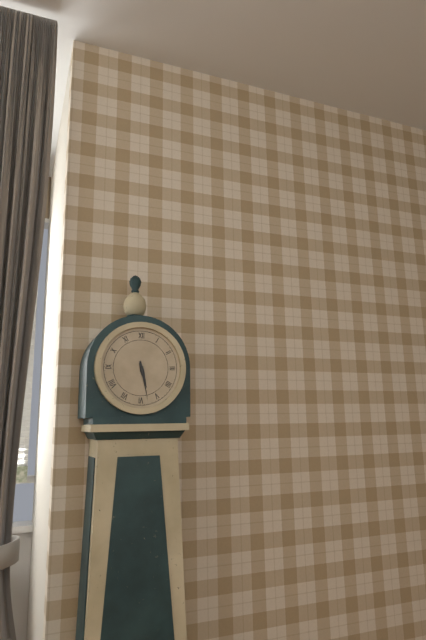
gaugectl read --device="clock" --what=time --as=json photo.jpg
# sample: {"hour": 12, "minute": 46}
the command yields {"hour": 5, "minute": 28}
